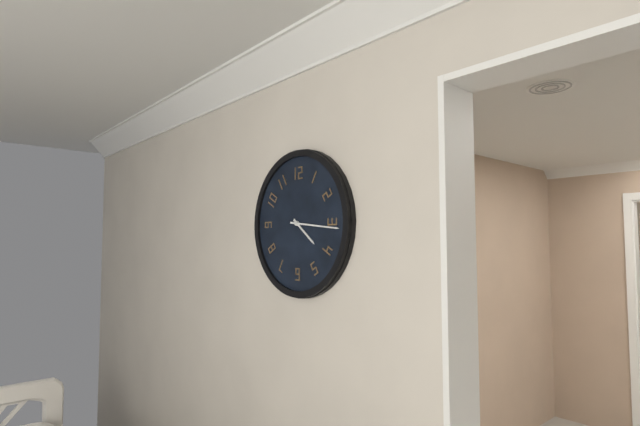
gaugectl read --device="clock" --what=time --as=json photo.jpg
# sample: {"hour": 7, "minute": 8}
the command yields {"hour": 4, "minute": 16}
